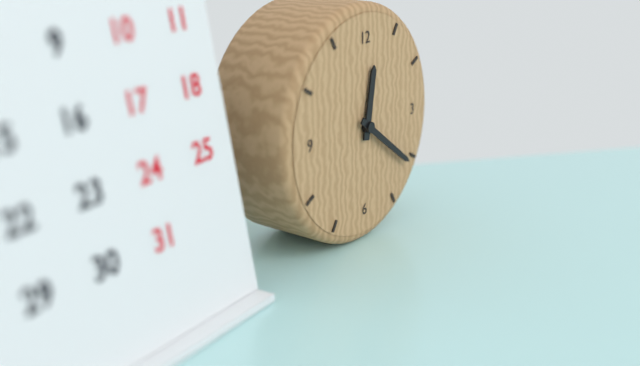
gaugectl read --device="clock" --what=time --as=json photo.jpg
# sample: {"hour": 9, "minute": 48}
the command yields {"hour": 12, "minute": 21}
